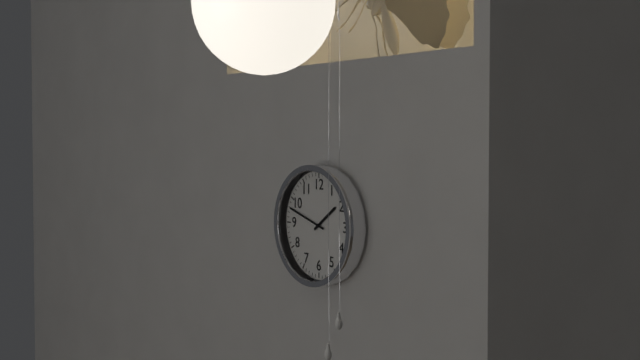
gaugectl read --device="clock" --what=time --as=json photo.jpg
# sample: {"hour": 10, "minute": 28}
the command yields {"hour": 1, "minute": 48}
